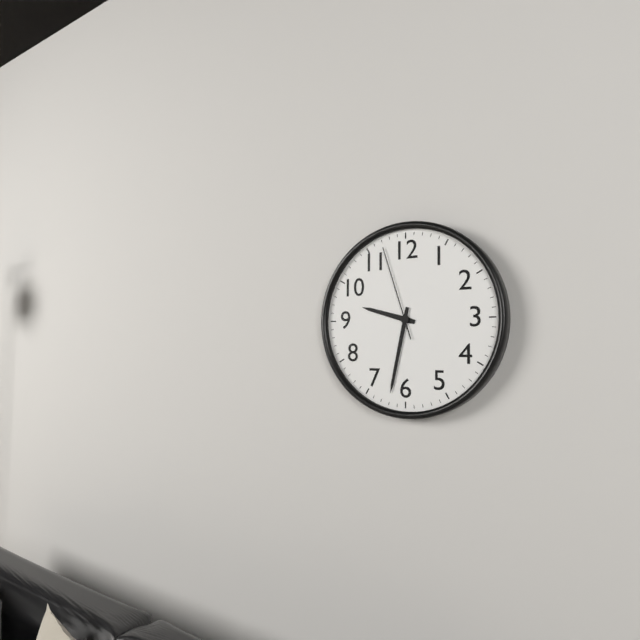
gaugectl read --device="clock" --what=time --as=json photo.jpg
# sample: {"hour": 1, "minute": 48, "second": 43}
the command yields {"hour": 9, "minute": 32, "second": 57}
